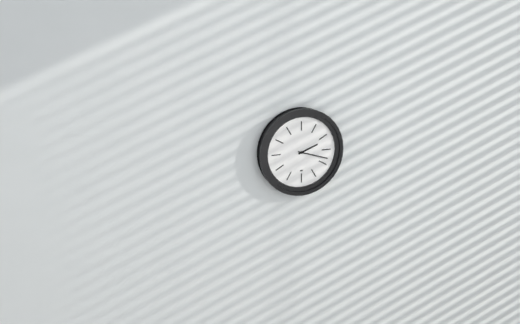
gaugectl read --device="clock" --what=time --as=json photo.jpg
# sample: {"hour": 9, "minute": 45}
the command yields {"hour": 2, "minute": 18}
